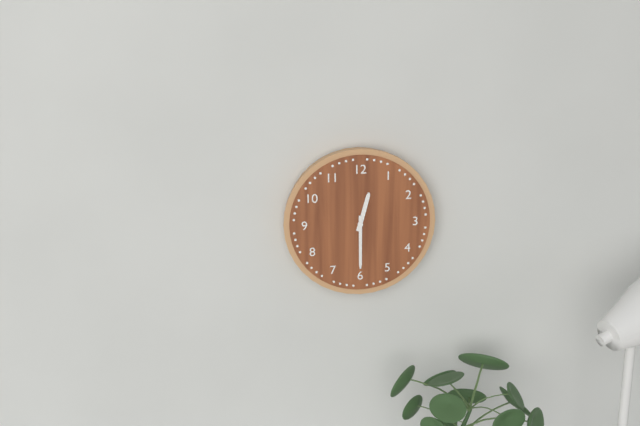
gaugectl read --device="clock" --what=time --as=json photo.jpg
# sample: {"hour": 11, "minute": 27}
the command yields {"hour": 12, "minute": 30}
